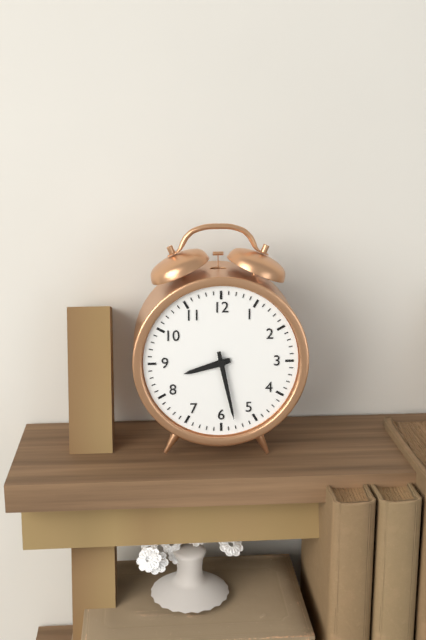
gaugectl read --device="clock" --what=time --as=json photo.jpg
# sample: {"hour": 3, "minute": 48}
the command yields {"hour": 8, "minute": 28}
